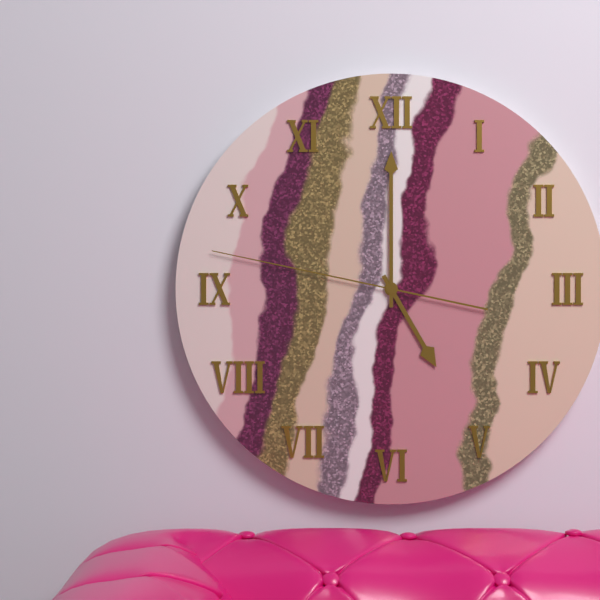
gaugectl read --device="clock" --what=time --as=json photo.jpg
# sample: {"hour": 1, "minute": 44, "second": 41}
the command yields {"hour": 5, "minute": 0, "second": 47}
